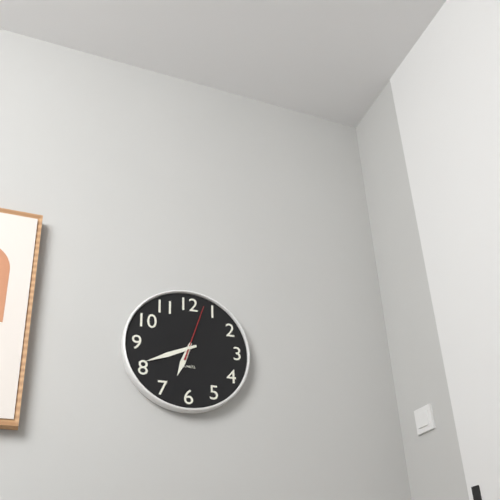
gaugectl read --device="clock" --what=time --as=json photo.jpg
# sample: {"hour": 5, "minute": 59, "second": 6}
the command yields {"hour": 6, "minute": 41, "second": 3}
